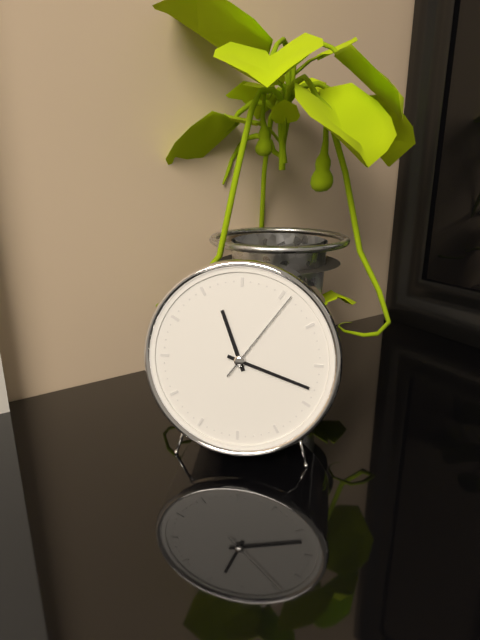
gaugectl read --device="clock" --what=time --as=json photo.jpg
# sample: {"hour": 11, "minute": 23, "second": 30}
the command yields {"hour": 11, "minute": 18, "second": 6}
